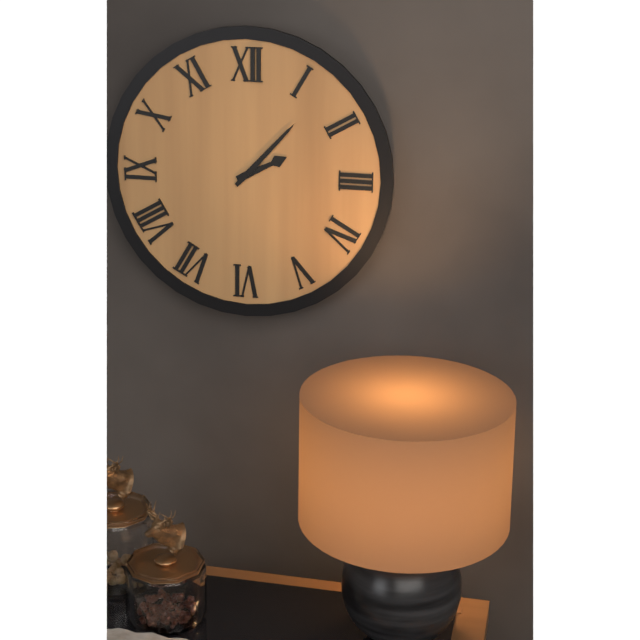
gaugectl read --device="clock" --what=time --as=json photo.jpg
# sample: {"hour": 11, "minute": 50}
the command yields {"hour": 2, "minute": 7}
